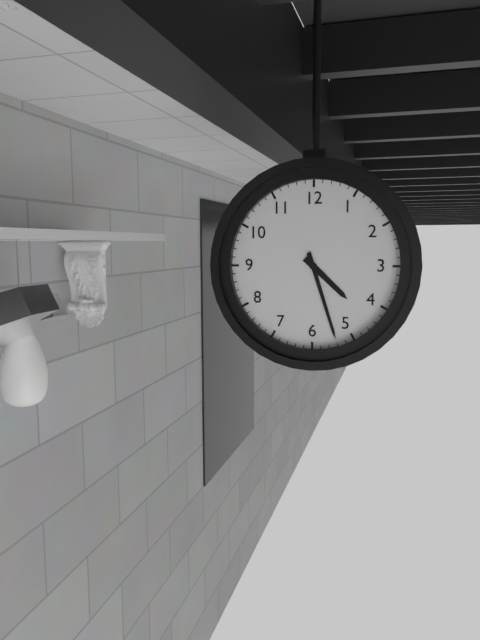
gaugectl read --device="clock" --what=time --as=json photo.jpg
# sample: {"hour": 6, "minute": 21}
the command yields {"hour": 4, "minute": 27}
